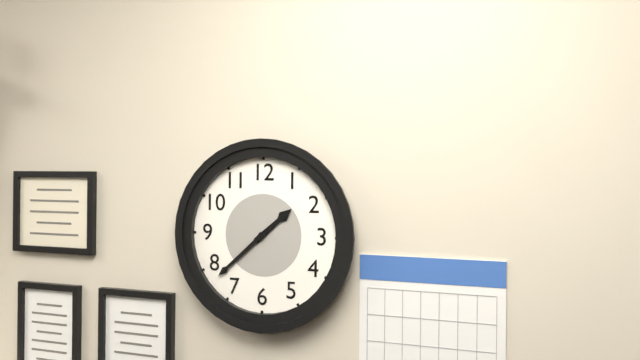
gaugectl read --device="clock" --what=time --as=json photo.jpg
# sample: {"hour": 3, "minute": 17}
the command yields {"hour": 1, "minute": 38}
